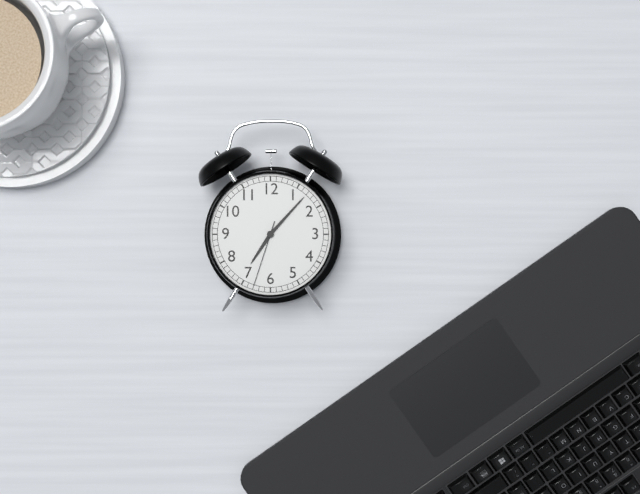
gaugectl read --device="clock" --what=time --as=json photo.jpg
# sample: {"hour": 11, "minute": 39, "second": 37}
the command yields {"hour": 7, "minute": 7, "second": 33}
